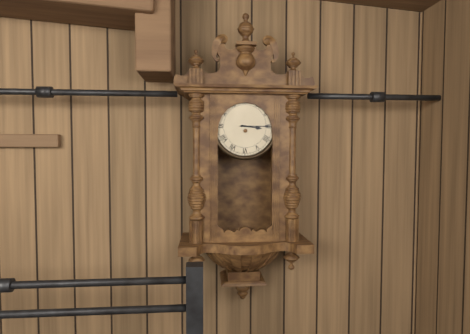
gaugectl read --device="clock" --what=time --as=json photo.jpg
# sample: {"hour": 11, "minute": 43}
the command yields {"hour": 3, "minute": 15}
